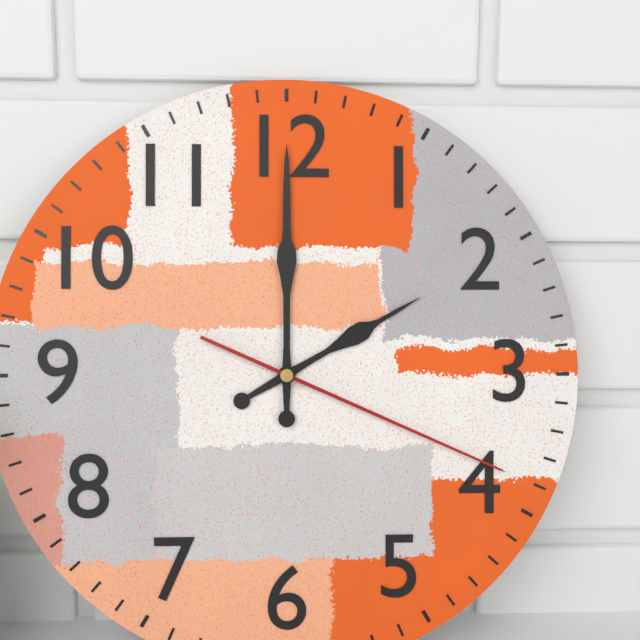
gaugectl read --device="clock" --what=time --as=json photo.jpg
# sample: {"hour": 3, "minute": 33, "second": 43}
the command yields {"hour": 2, "minute": 0, "second": 19}
